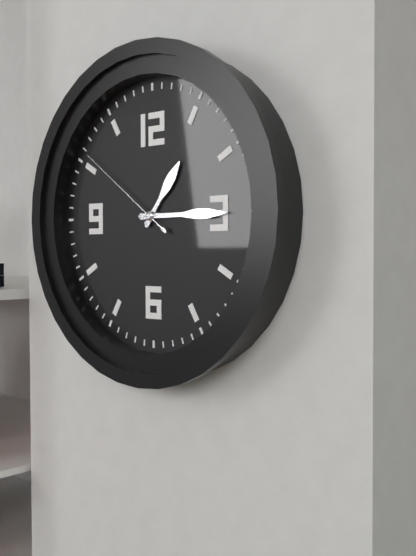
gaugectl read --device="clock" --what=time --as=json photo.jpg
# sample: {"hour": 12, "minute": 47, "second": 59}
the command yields {"hour": 1, "minute": 15, "second": 51}
